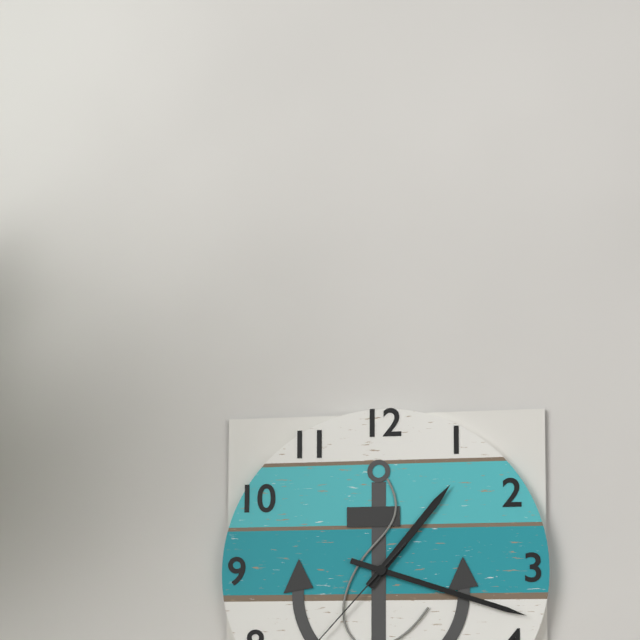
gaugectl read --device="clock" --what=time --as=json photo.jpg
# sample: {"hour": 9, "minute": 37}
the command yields {"hour": 1, "minute": 18}
